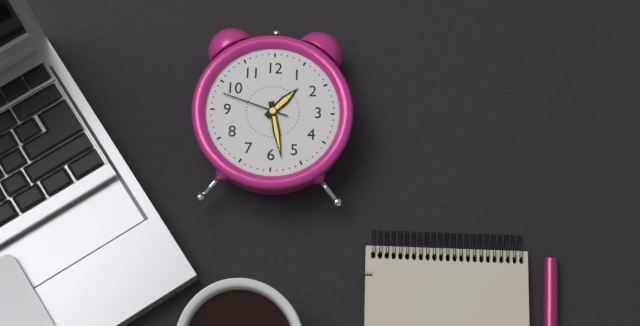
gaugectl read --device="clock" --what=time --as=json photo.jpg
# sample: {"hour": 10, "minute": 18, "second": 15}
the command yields {"hour": 1, "minute": 28, "second": 48}
